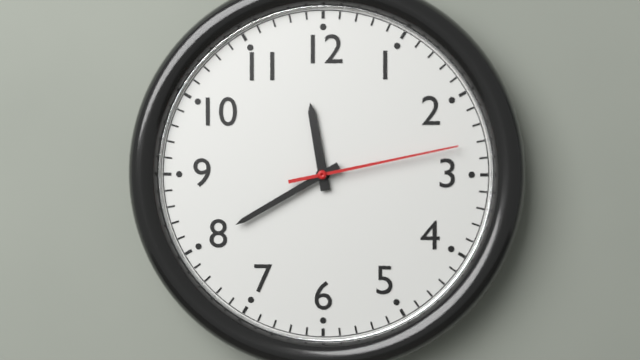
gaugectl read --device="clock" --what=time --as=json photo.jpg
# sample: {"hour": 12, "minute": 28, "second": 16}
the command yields {"hour": 11, "minute": 40, "second": 13}
